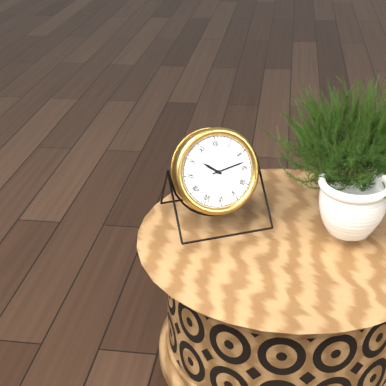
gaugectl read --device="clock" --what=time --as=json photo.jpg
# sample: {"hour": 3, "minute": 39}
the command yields {"hour": 10, "minute": 13}
